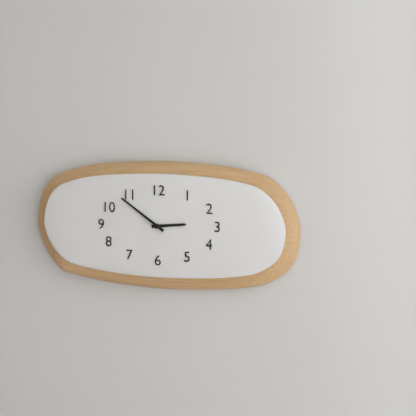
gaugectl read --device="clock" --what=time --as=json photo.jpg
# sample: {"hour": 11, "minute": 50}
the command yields {"hour": 2, "minute": 51}
